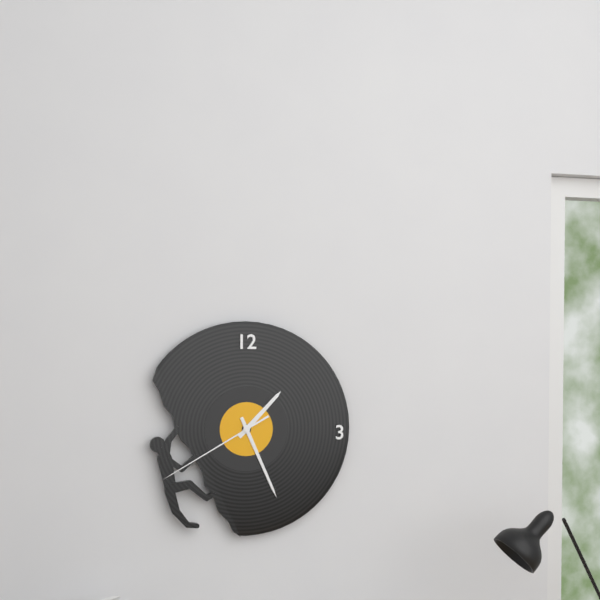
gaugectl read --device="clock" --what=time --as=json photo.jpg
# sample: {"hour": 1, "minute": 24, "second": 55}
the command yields {"hour": 1, "minute": 26, "second": 40}
